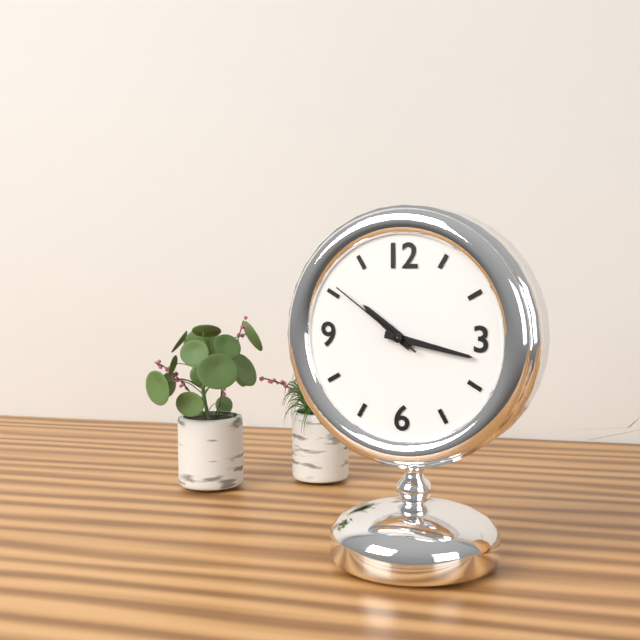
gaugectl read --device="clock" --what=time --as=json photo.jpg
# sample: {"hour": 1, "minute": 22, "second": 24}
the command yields {"hour": 10, "minute": 17, "second": 51}
